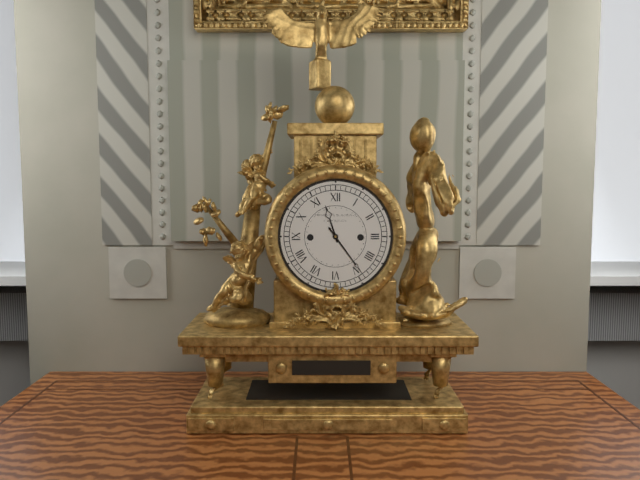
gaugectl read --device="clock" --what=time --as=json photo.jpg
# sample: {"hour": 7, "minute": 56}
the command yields {"hour": 11, "minute": 24}
